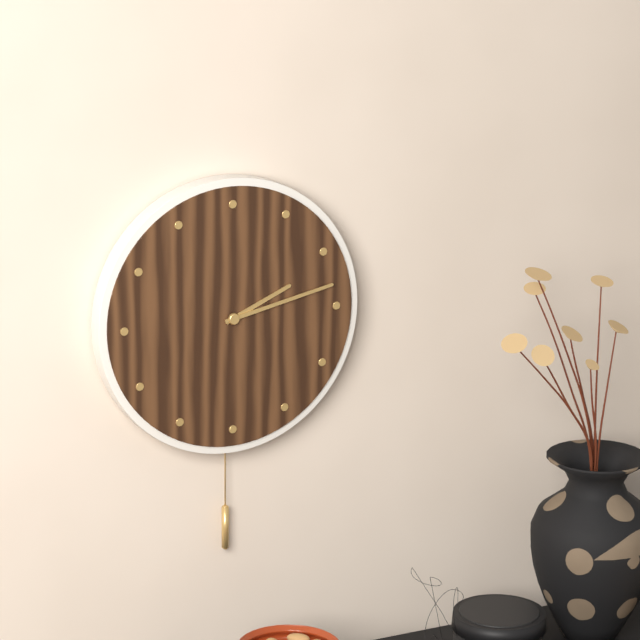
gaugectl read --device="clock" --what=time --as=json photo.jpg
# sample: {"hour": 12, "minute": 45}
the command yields {"hour": 2, "minute": 13}
